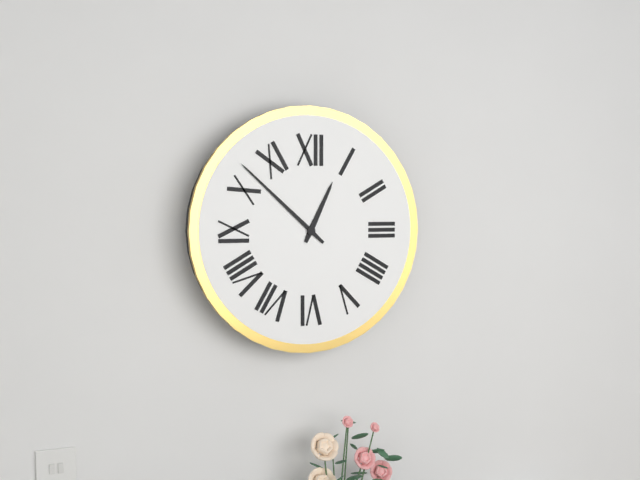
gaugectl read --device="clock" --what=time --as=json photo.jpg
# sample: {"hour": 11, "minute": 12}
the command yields {"hour": 12, "minute": 52}
